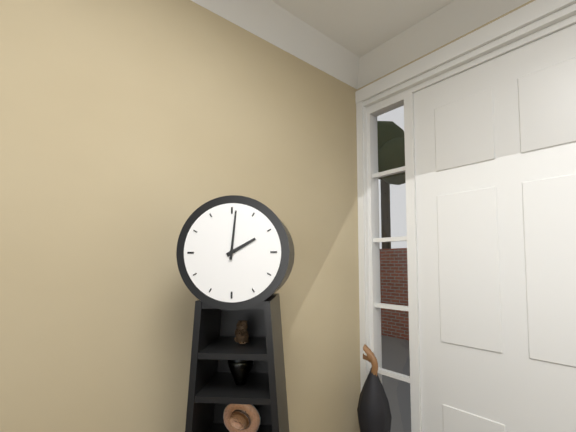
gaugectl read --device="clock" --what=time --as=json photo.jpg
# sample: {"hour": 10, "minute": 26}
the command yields {"hour": 2, "minute": 1}
